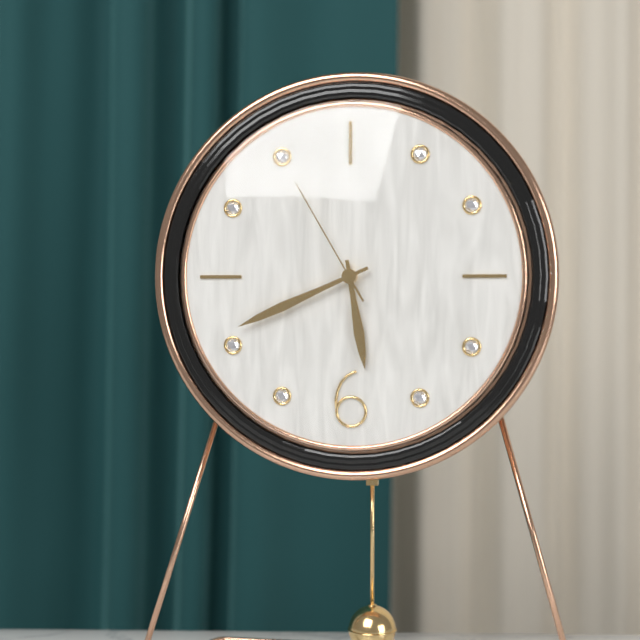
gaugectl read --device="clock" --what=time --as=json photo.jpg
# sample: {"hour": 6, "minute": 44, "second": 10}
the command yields {"hour": 5, "minute": 41, "second": 55}
